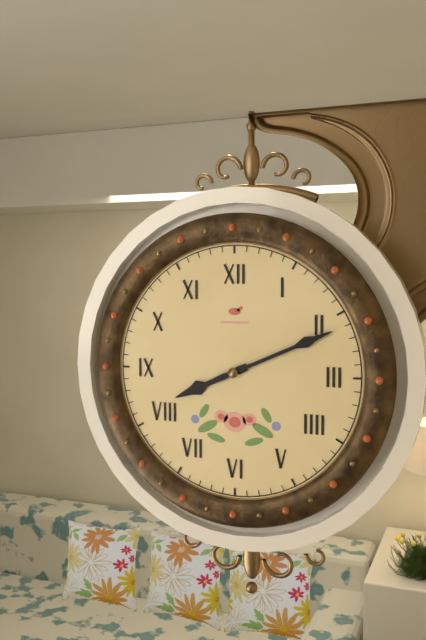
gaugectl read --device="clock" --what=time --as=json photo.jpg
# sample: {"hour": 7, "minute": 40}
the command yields {"hour": 8, "minute": 11}
